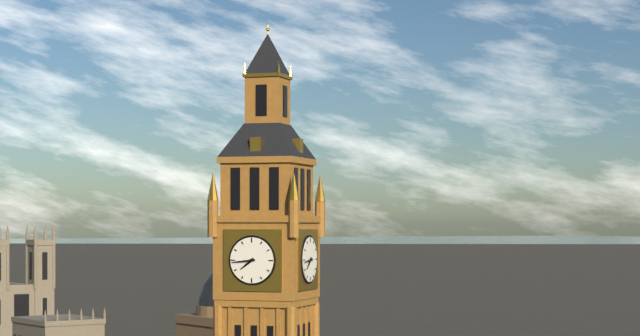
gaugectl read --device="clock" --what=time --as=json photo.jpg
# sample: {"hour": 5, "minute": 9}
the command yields {"hour": 7, "minute": 44}
